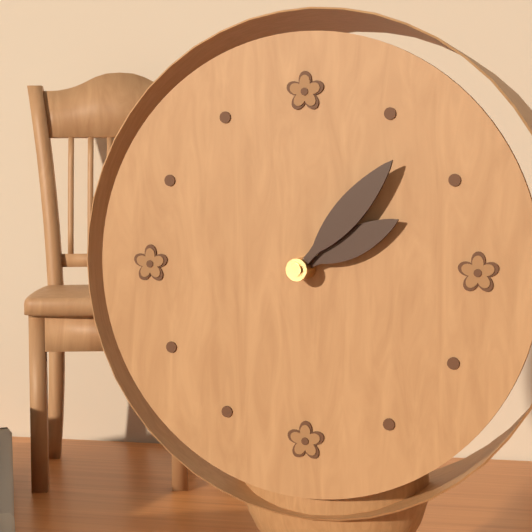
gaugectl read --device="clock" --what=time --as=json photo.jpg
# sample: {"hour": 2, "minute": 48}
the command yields {"hour": 2, "minute": 7}
